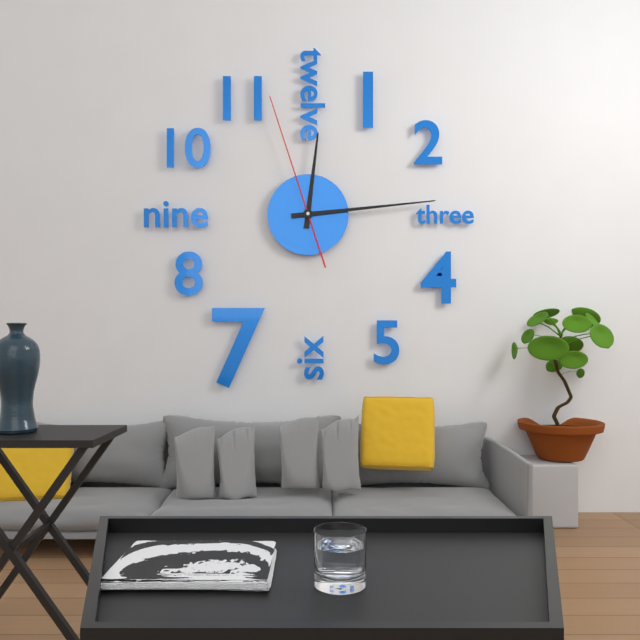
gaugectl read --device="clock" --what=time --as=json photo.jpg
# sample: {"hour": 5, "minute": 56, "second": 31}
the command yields {"hour": 12, "minute": 14, "second": 57}
